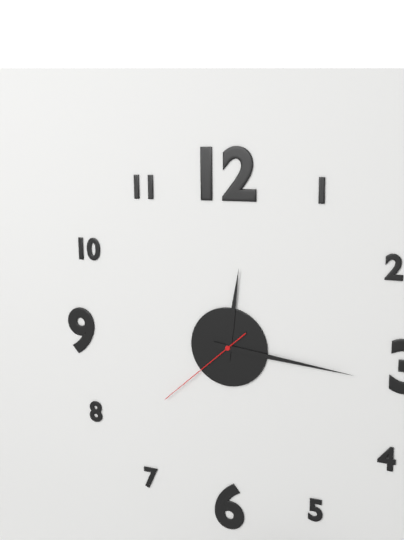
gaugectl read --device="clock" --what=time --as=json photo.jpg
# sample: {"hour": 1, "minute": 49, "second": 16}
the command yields {"hour": 12, "minute": 16, "second": 38}
